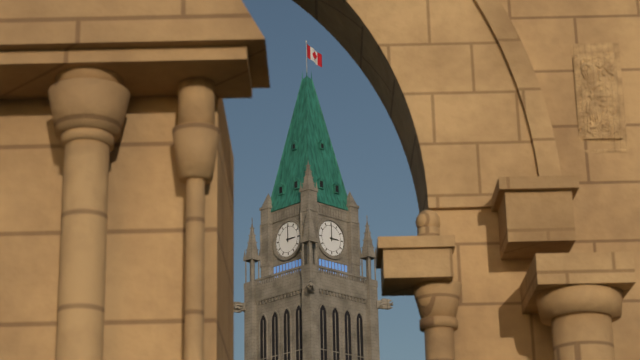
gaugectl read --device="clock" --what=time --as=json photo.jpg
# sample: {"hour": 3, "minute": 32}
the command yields {"hour": 3, "minute": 0}
